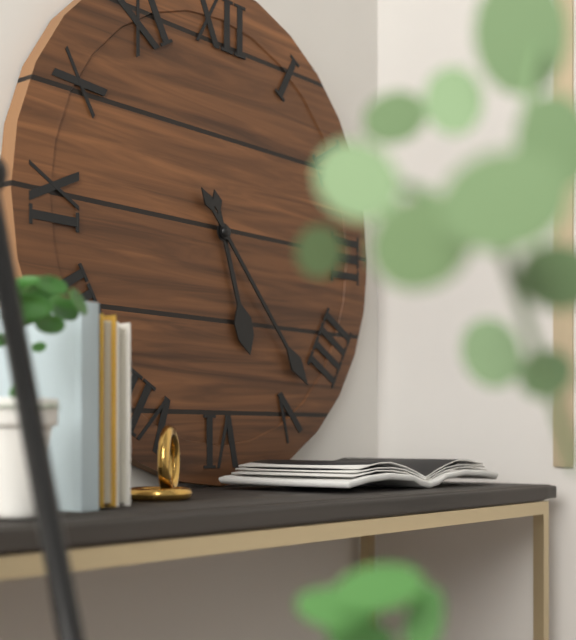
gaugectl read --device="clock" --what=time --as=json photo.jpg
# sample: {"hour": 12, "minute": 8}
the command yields {"hour": 5, "minute": 23}
